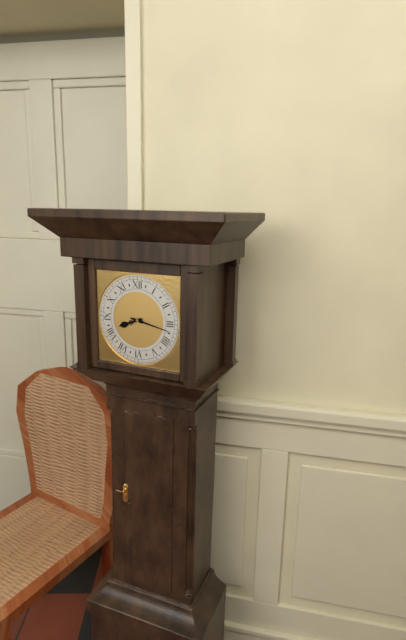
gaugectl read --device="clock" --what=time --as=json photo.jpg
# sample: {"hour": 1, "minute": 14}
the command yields {"hour": 8, "minute": 17}
